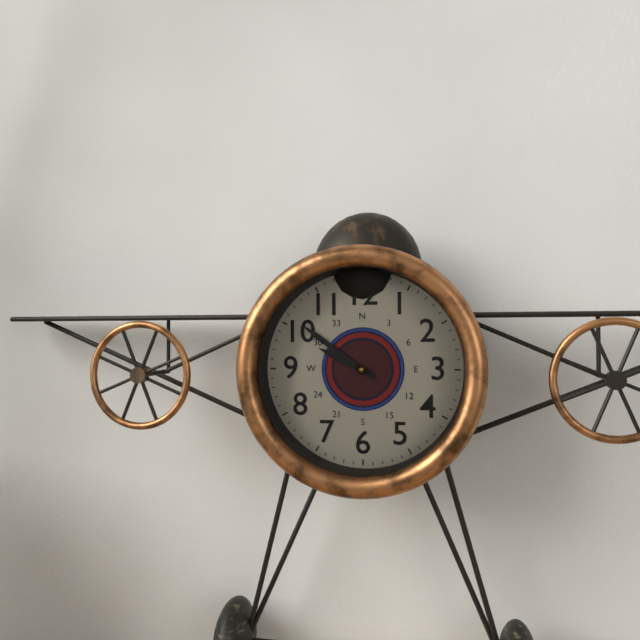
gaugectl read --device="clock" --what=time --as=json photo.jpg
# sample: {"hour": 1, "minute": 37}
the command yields {"hour": 9, "minute": 51}
